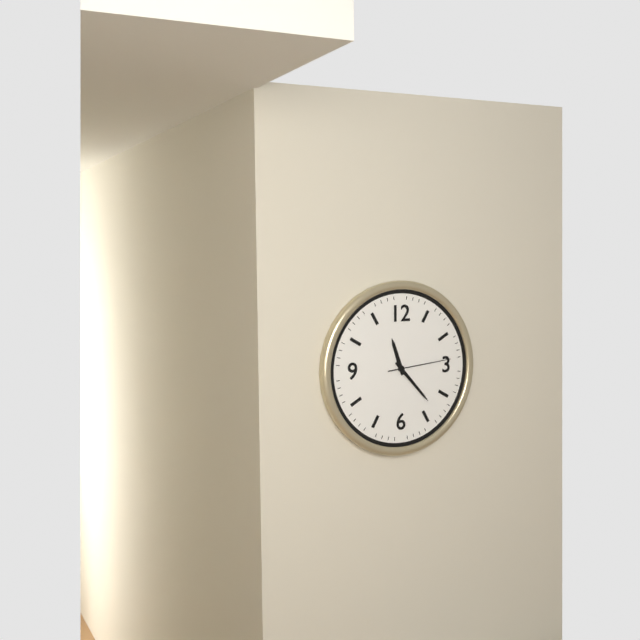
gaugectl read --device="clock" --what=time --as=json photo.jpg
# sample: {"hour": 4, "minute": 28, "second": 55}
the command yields {"hour": 11, "minute": 23, "second": 14}
